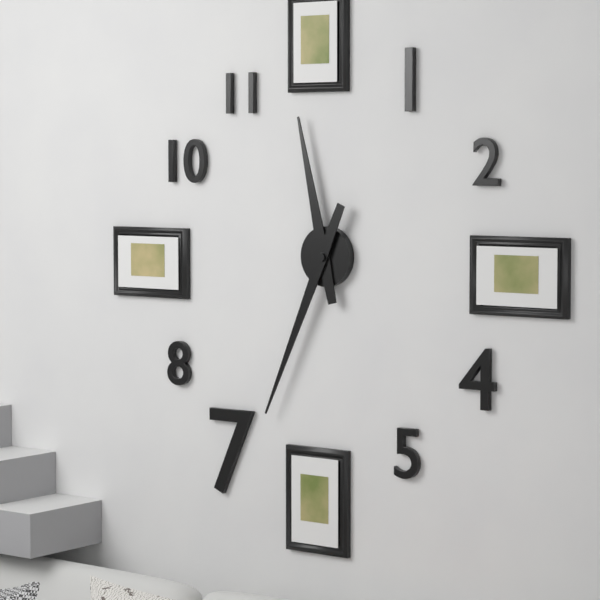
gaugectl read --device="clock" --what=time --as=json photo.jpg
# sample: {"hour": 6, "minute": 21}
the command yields {"hour": 11, "minute": 34}
